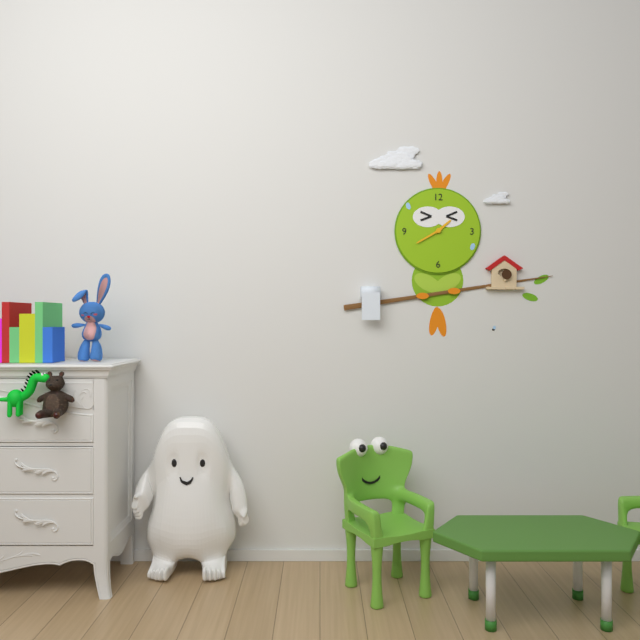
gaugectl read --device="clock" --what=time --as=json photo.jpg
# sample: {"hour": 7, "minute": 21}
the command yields {"hour": 1, "minute": 40}
